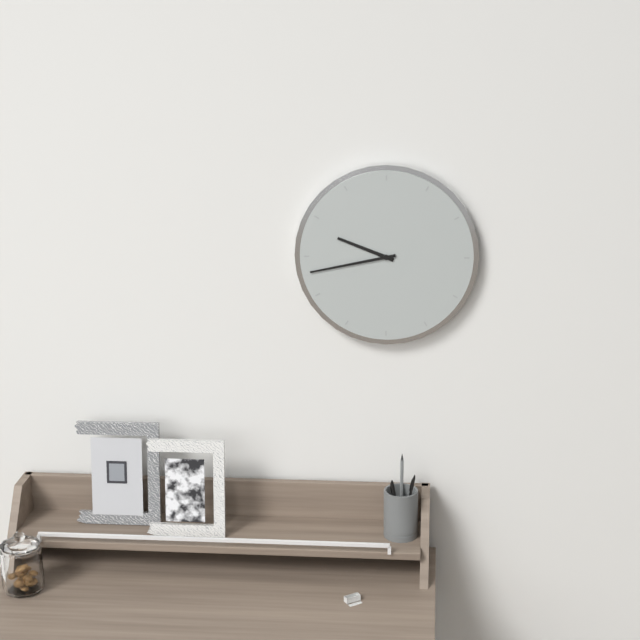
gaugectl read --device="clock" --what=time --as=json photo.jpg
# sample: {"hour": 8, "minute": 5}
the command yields {"hour": 9, "minute": 43}
